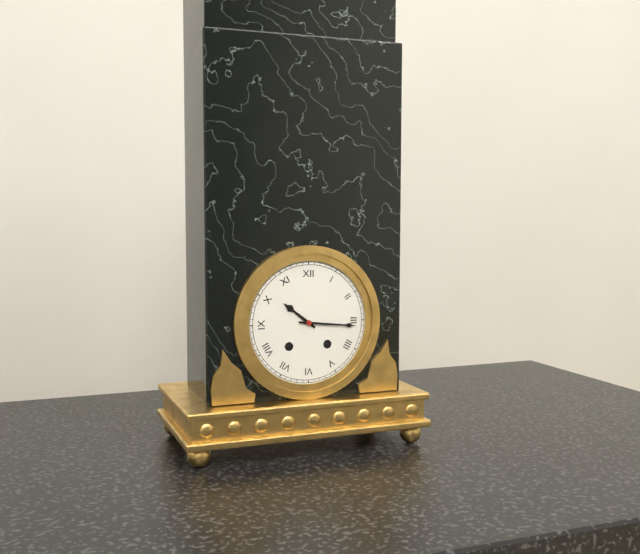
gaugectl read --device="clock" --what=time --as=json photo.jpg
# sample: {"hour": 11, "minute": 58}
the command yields {"hour": 10, "minute": 16}
